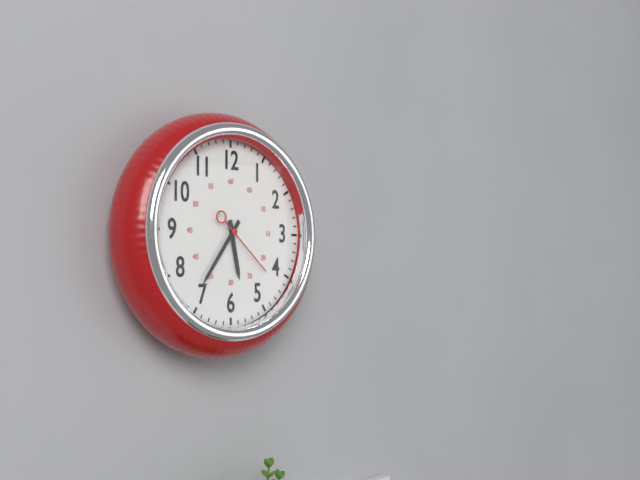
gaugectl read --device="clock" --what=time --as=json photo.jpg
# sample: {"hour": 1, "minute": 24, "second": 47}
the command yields {"hour": 5, "minute": 36, "second": 22}
